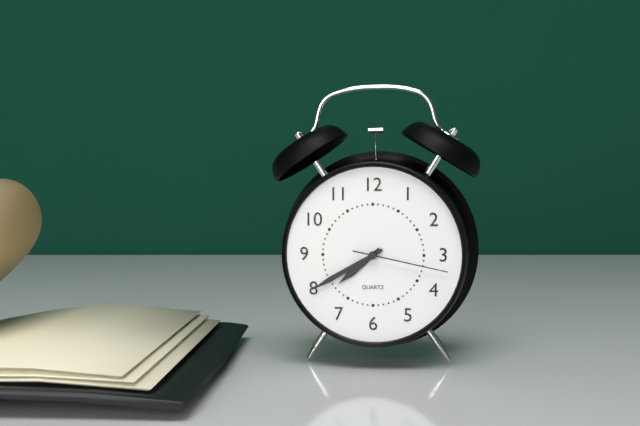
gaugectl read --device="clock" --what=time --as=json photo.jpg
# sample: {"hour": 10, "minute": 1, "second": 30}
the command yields {"hour": 7, "minute": 40, "second": 17}
